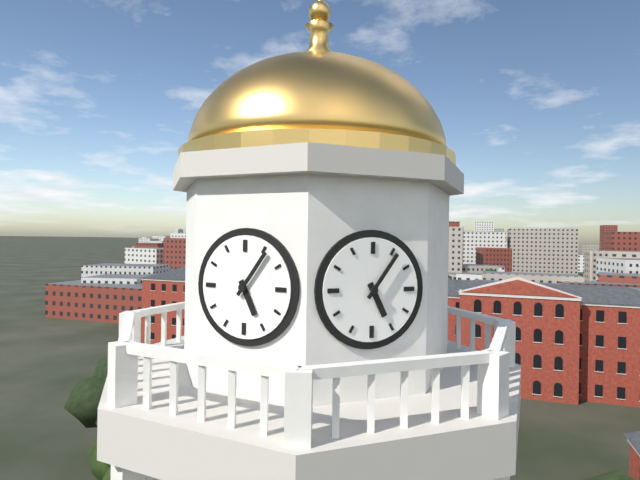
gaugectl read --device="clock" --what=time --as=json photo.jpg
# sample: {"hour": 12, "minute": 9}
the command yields {"hour": 5, "minute": 6}
